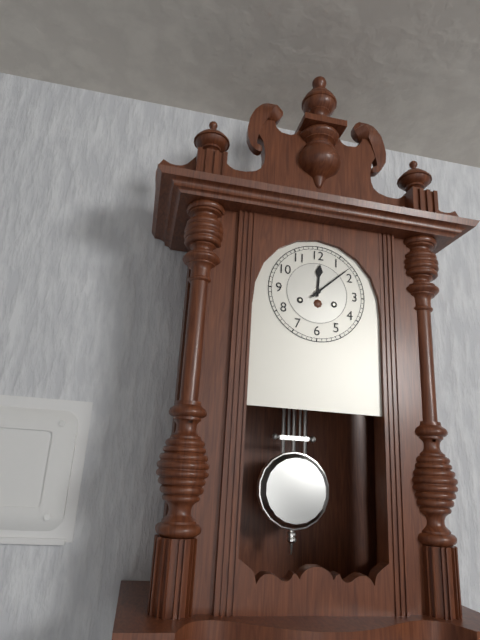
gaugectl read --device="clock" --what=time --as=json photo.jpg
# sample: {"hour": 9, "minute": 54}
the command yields {"hour": 12, "minute": 8}
